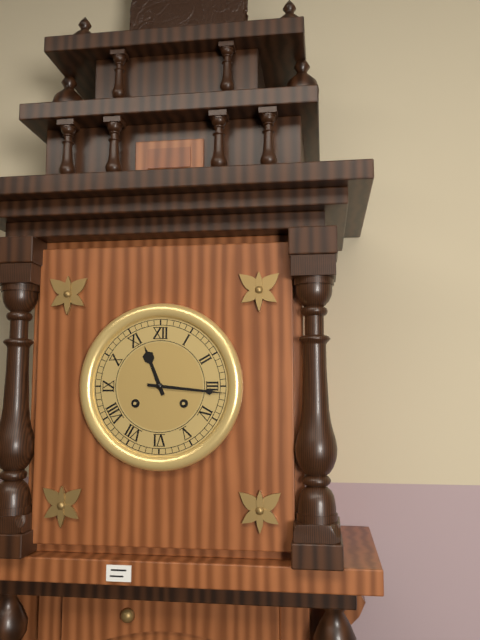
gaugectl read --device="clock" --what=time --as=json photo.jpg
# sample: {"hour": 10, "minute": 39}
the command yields {"hour": 11, "minute": 16}
